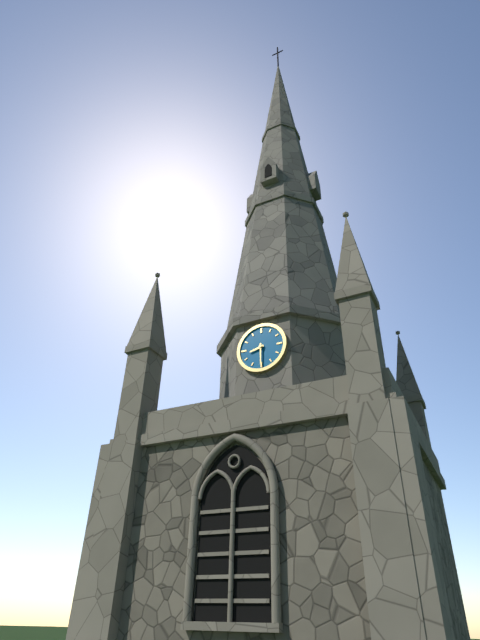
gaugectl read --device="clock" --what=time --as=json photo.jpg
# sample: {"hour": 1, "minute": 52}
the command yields {"hour": 8, "minute": 30}
